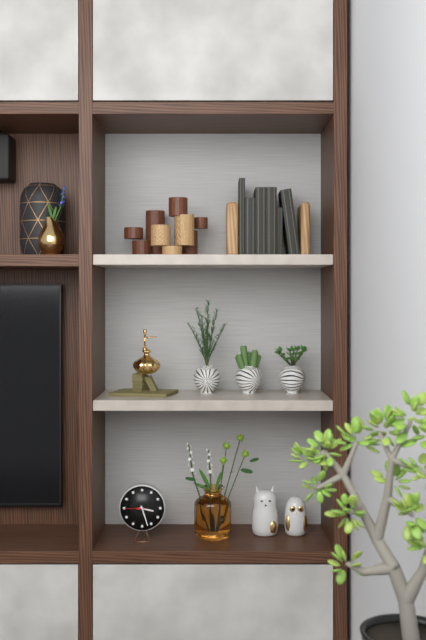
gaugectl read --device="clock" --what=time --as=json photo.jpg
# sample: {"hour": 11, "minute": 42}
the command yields {"hour": 3, "minute": 27}
